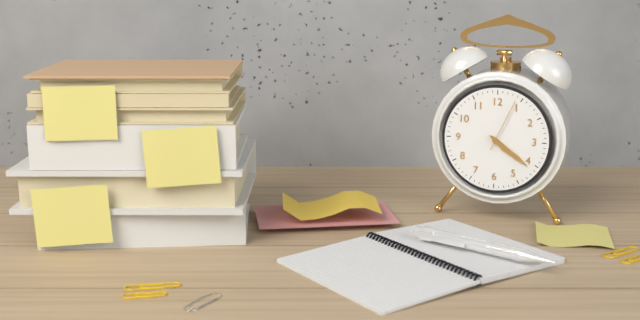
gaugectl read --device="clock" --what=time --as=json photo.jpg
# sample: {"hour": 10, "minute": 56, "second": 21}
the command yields {"hour": 4, "minute": 21, "second": 4}
